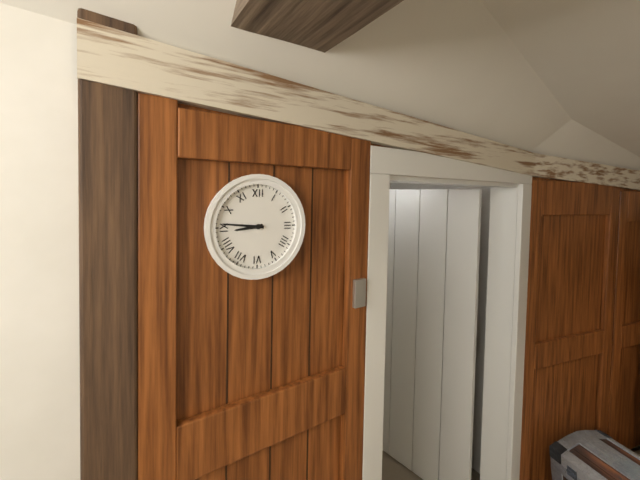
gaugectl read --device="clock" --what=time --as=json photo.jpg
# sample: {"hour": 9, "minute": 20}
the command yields {"hour": 8, "minute": 46}
